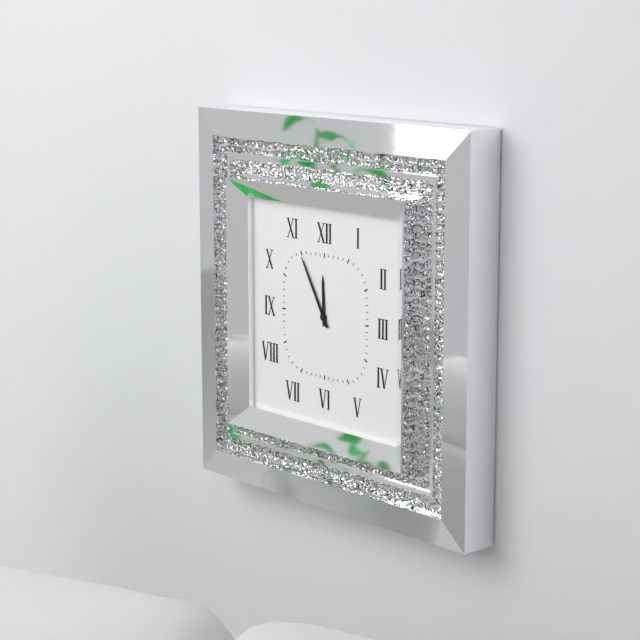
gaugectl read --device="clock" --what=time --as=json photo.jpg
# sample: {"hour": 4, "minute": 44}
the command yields {"hour": 11, "minute": 55}
